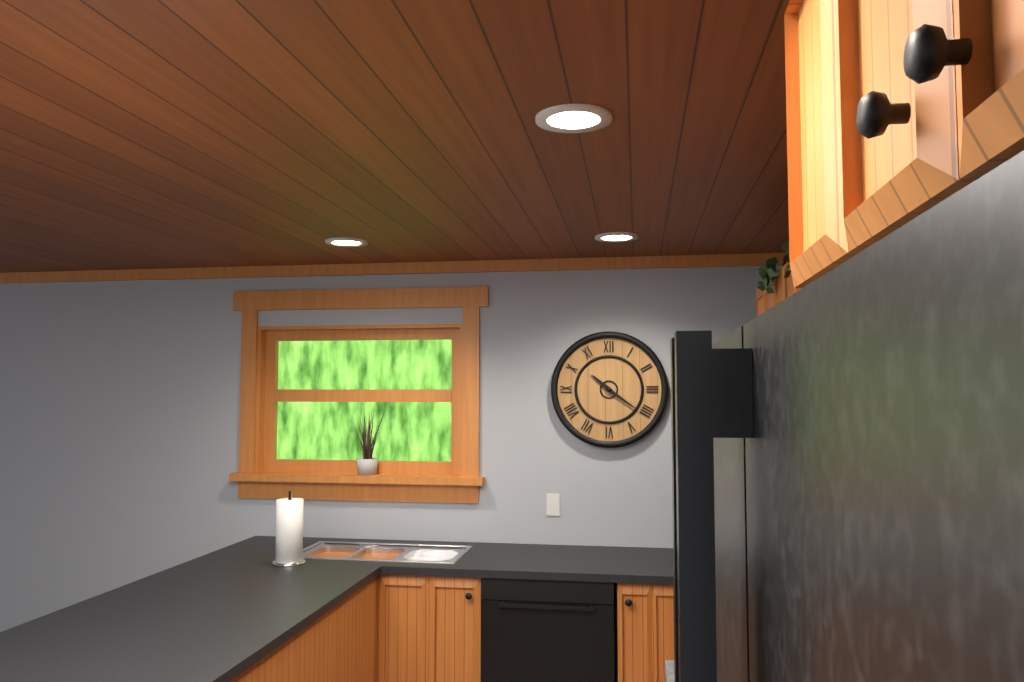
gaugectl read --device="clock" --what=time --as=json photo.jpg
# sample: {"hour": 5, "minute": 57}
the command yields {"hour": 10, "minute": 21}
